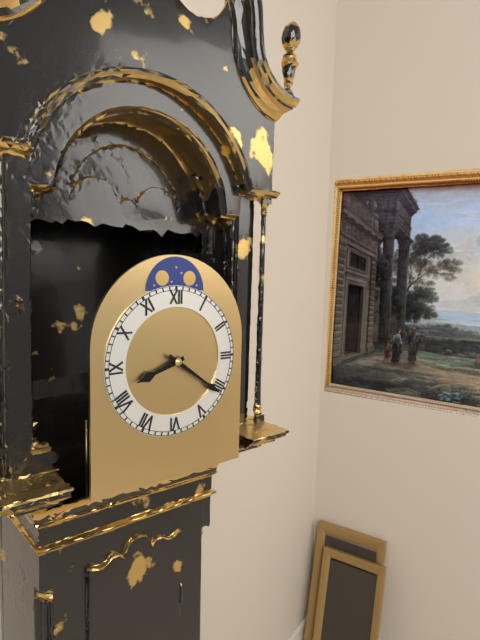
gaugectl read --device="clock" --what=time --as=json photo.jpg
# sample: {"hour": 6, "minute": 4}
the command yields {"hour": 8, "minute": 21}
